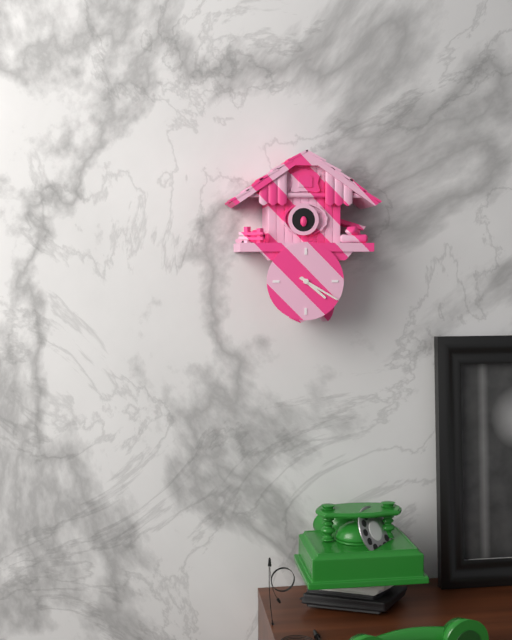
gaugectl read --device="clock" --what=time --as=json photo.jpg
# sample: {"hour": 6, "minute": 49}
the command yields {"hour": 4, "minute": 20}
